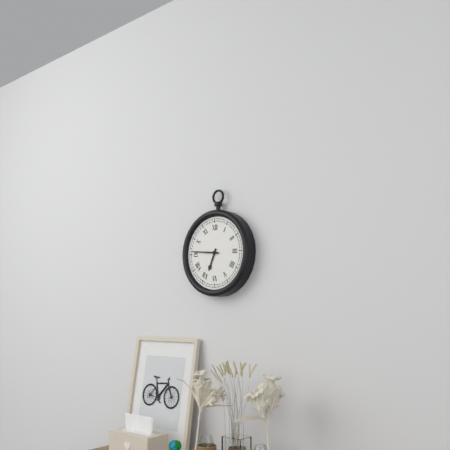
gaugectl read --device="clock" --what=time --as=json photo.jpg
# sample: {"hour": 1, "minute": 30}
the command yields {"hour": 6, "minute": 46}
